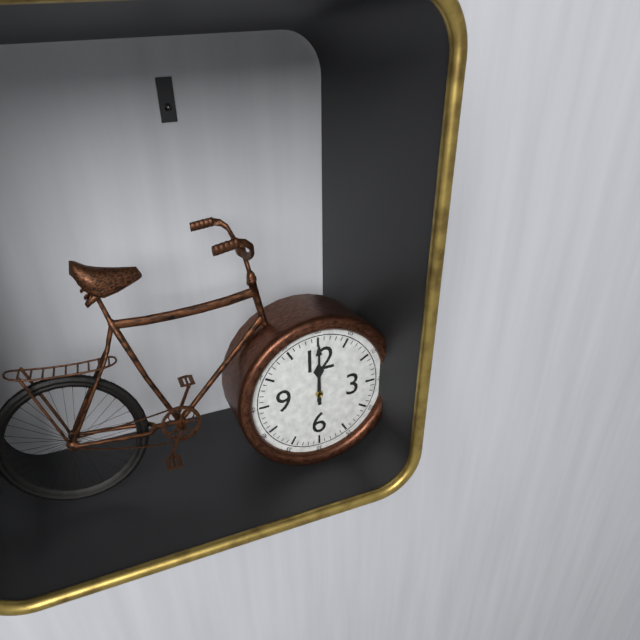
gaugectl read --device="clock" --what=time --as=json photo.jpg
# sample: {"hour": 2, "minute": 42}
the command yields {"hour": 12, "minute": 0}
